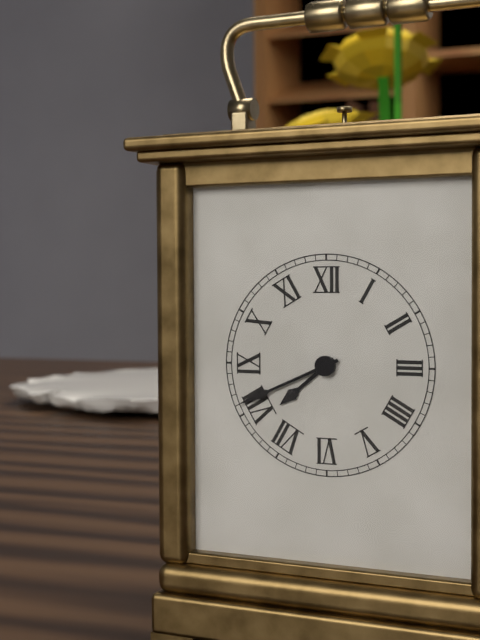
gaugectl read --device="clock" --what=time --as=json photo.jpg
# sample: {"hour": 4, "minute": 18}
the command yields {"hour": 7, "minute": 41}
